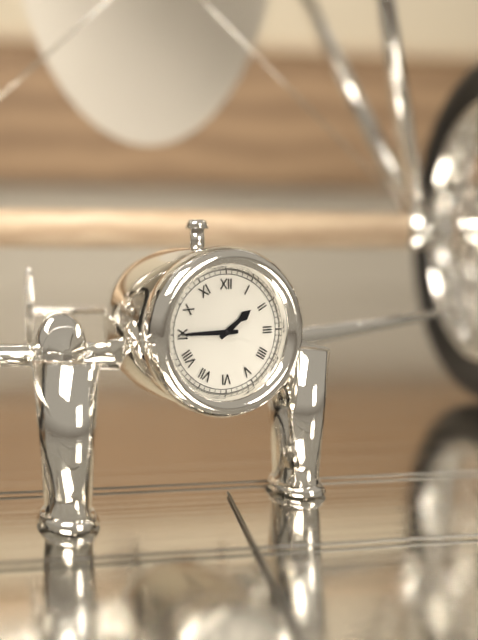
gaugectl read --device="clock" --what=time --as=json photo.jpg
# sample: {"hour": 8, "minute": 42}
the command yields {"hour": 1, "minute": 45}
